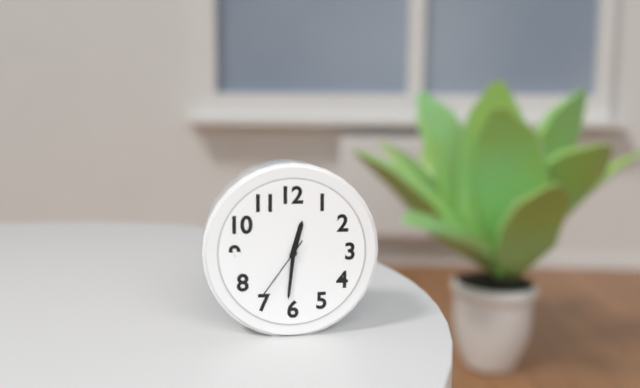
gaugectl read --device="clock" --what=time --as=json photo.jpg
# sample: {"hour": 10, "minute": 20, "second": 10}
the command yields {"hour": 12, "minute": 31, "second": 36}
